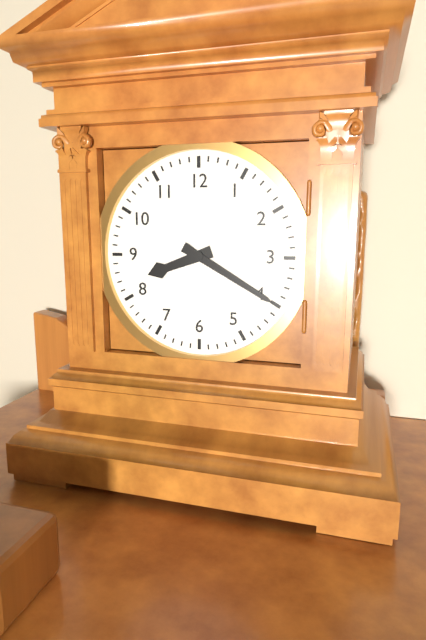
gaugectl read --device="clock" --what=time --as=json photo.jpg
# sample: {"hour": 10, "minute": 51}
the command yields {"hour": 8, "minute": 20}
